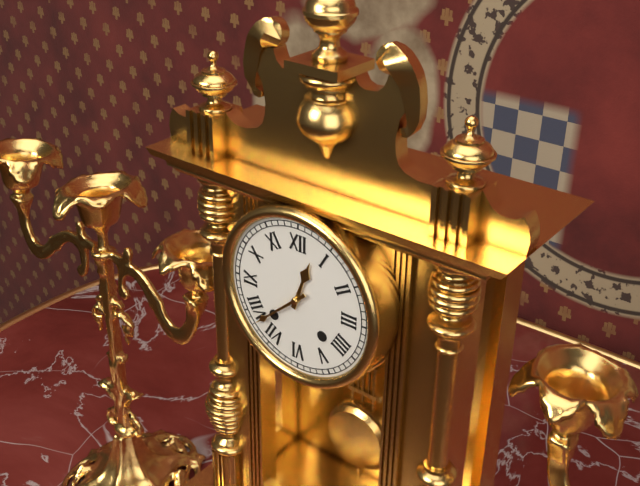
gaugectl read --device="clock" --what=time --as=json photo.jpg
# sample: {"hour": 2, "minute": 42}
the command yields {"hour": 12, "minute": 38}
